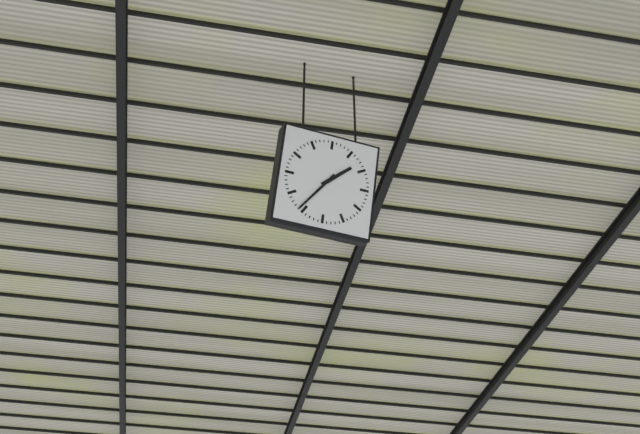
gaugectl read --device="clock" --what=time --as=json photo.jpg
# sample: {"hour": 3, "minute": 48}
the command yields {"hour": 1, "minute": 36}
